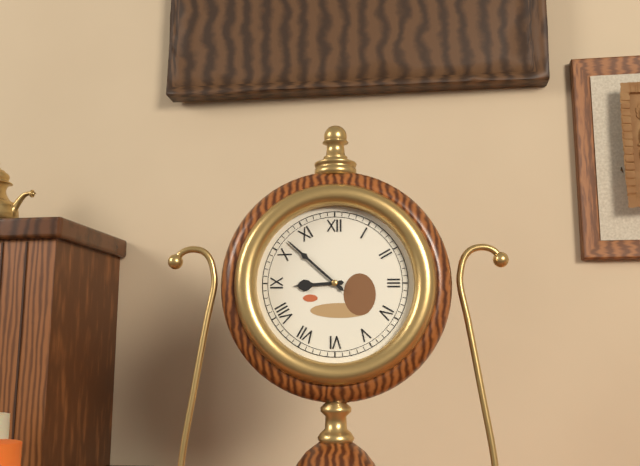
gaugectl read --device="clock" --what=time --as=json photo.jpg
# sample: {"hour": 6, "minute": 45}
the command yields {"hour": 8, "minute": 52}
